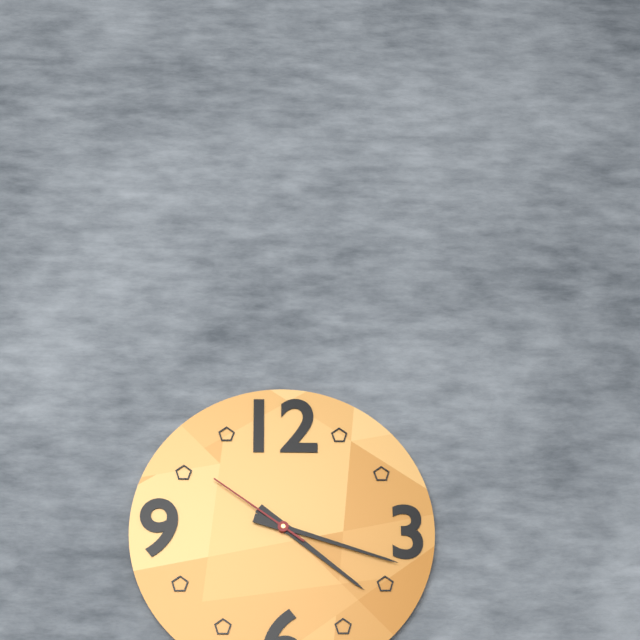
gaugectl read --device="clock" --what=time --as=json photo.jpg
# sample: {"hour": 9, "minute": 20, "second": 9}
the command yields {"hour": 4, "minute": 18, "second": 51}
